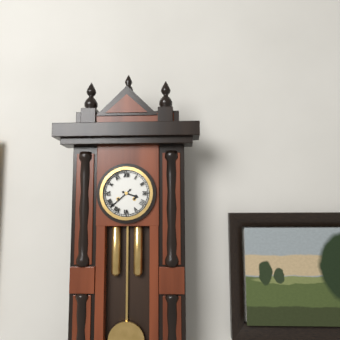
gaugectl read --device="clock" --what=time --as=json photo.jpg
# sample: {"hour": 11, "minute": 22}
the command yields {"hour": 3, "minute": 38}
